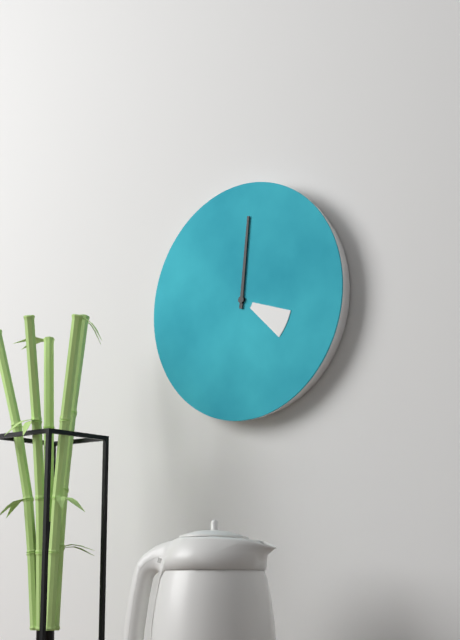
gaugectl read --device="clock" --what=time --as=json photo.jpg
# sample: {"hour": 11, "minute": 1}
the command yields {"hour": 4, "minute": 1}
